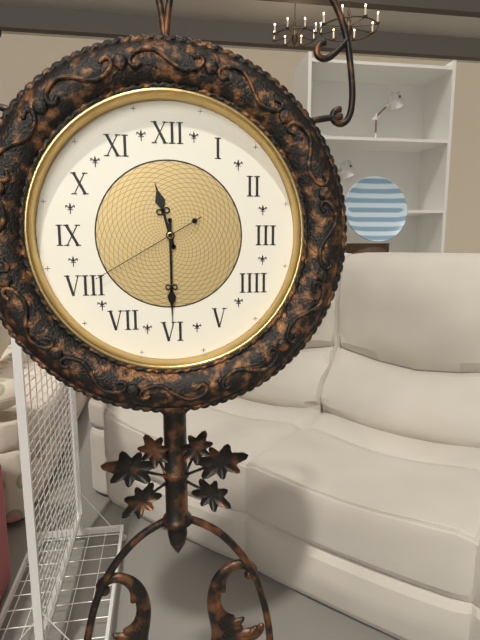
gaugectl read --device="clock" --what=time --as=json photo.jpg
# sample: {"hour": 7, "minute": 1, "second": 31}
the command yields {"hour": 11, "minute": 30, "second": 40}
